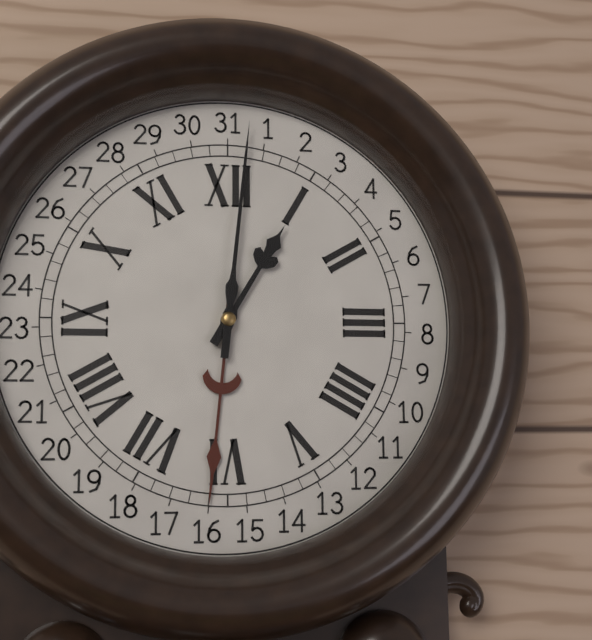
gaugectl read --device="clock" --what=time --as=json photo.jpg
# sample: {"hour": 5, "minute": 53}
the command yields {"hour": 1, "minute": 1}
